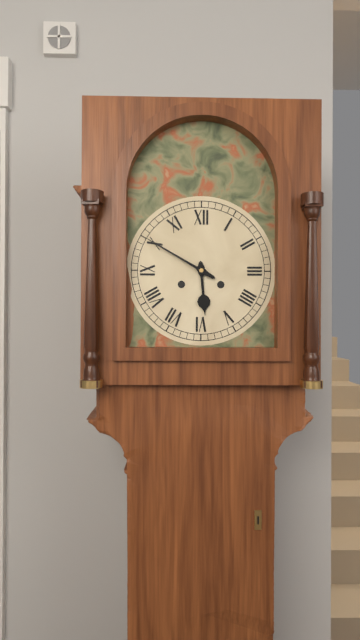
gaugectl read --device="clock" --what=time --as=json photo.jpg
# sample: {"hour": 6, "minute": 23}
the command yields {"hour": 5, "minute": 50}
